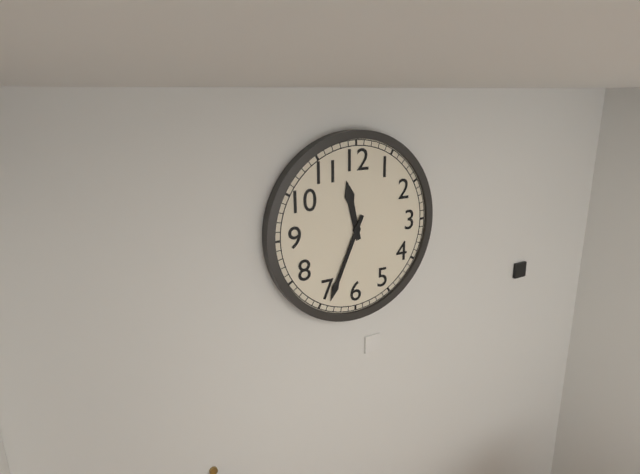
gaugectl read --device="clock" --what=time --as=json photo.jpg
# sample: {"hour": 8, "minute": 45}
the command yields {"hour": 11, "minute": 34}
